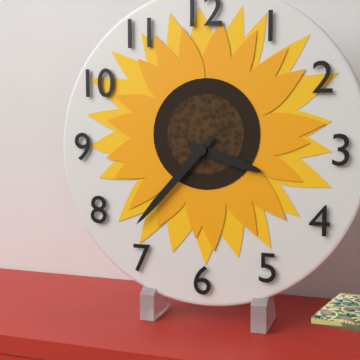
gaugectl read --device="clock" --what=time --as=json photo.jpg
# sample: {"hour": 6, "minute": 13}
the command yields {"hour": 3, "minute": 37}
